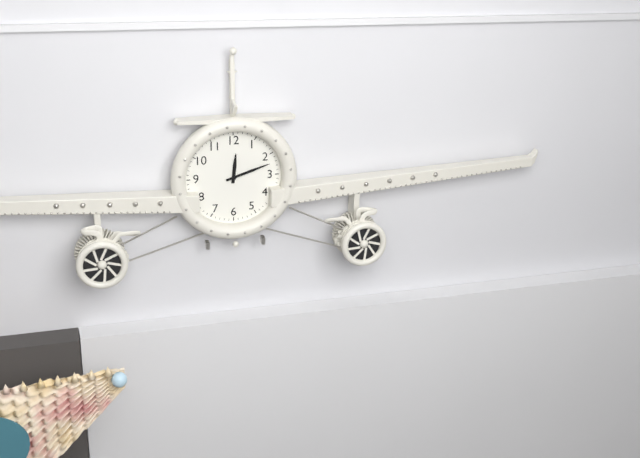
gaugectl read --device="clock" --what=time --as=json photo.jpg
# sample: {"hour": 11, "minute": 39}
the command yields {"hour": 12, "minute": 12}
